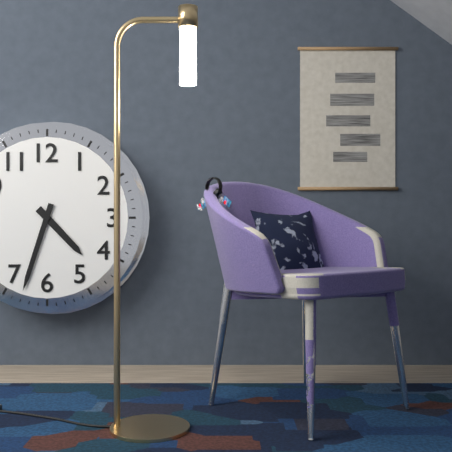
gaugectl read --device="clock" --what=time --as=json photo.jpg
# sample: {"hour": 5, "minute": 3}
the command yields {"hour": 4, "minute": 33}
